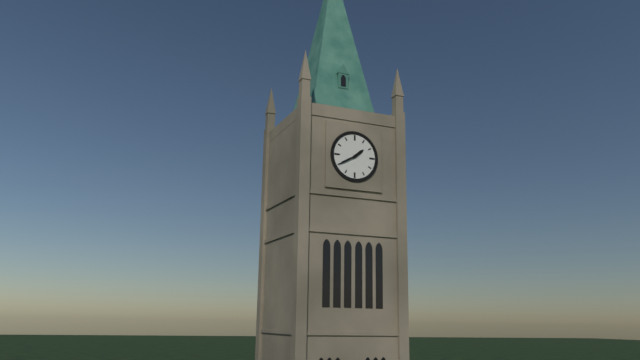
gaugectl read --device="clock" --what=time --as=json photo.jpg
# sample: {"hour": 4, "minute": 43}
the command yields {"hour": 1, "minute": 40}
